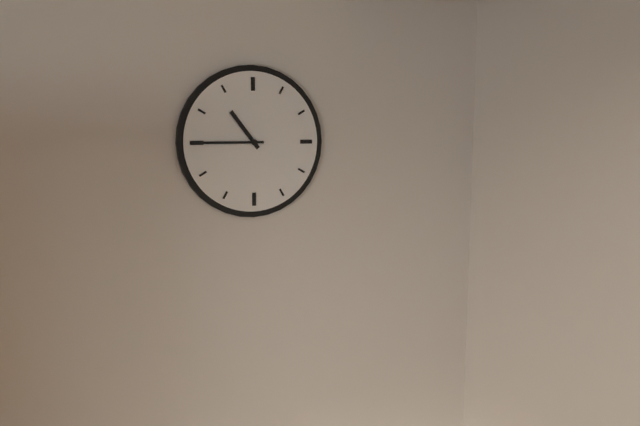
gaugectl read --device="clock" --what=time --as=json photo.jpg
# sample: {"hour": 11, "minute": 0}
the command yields {"hour": 10, "minute": 45}
